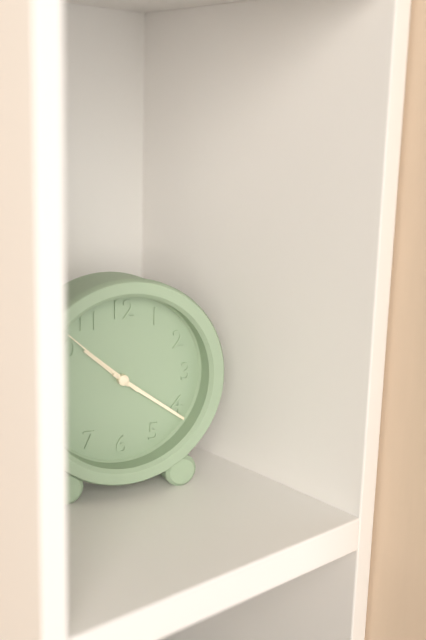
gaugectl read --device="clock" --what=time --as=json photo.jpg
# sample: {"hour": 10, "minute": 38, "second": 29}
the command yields {"hour": 10, "minute": 21, "second": 52}
